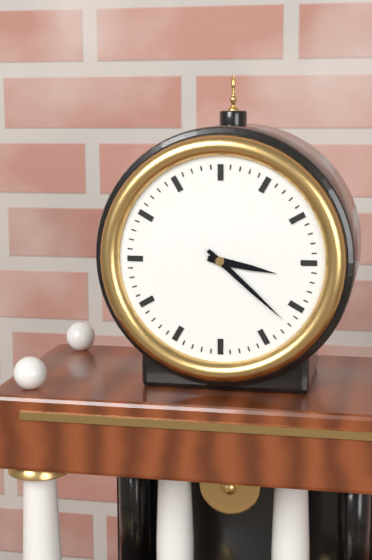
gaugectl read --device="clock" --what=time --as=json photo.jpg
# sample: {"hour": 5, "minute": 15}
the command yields {"hour": 3, "minute": 22}
